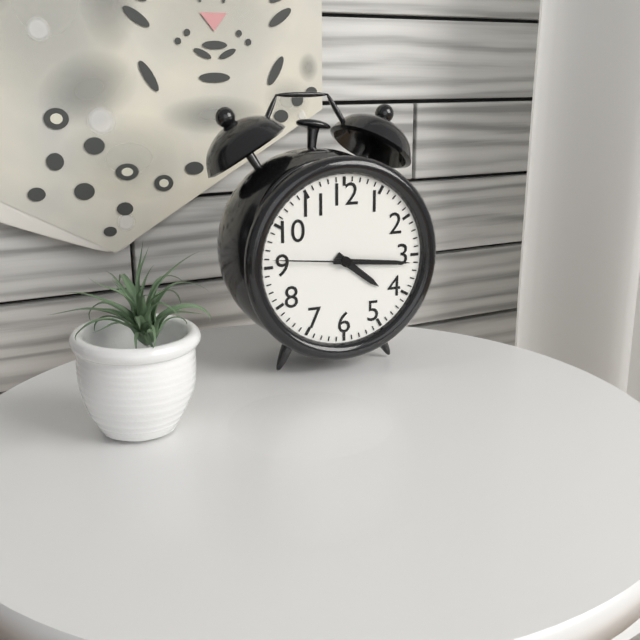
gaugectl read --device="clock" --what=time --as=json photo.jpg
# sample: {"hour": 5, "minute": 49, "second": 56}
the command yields {"hour": 4, "minute": 16, "second": 46}
